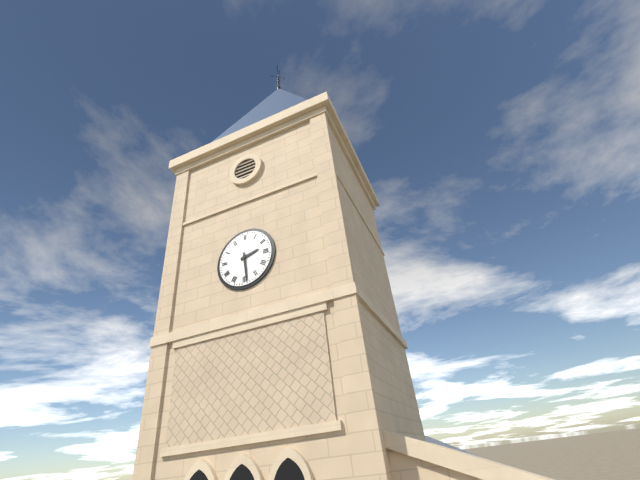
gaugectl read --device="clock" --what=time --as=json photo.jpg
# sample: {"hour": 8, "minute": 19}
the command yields {"hour": 2, "minute": 29}
